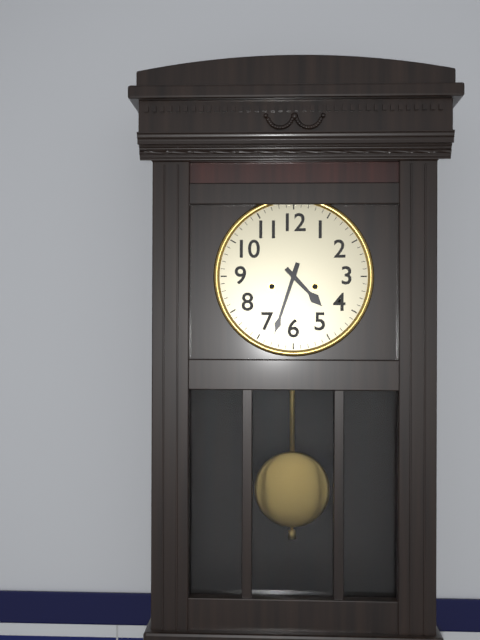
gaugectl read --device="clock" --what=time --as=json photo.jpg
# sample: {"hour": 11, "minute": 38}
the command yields {"hour": 4, "minute": 33}
